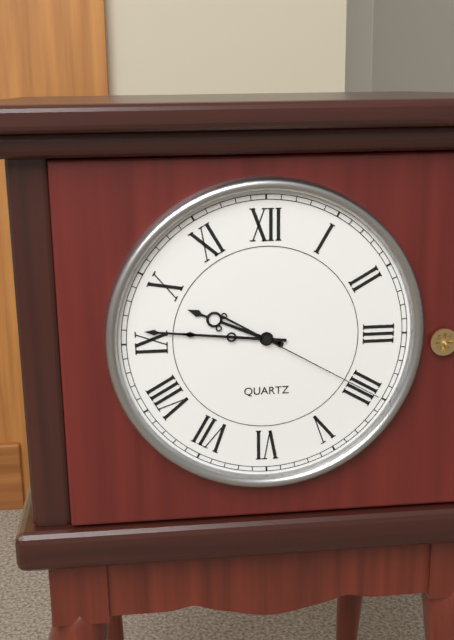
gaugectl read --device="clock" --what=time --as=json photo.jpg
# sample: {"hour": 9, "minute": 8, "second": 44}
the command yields {"hour": 9, "minute": 46, "second": 20}
